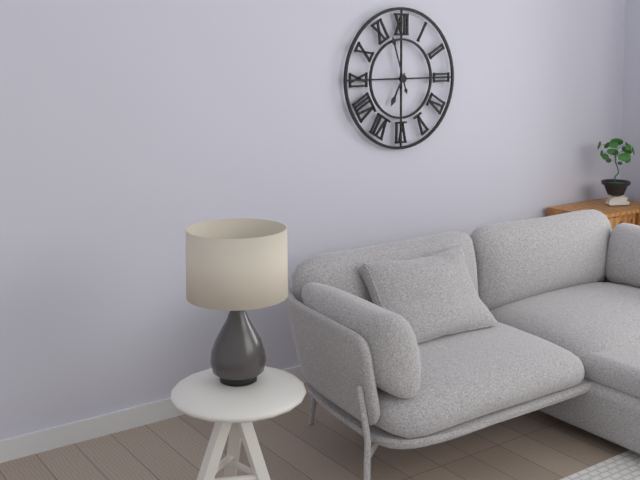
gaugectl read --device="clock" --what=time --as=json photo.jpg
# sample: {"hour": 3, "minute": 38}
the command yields {"hour": 6, "minute": 57}
